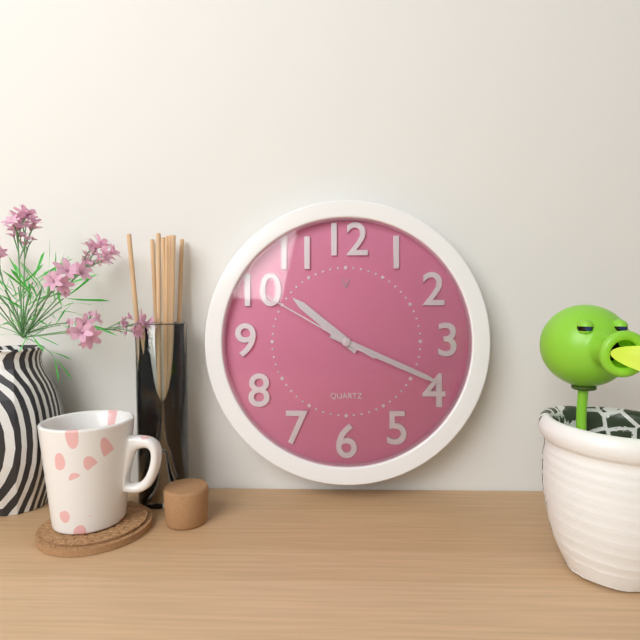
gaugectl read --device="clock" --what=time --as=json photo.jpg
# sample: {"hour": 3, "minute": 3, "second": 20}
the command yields {"hour": 10, "minute": 19, "second": 50}
